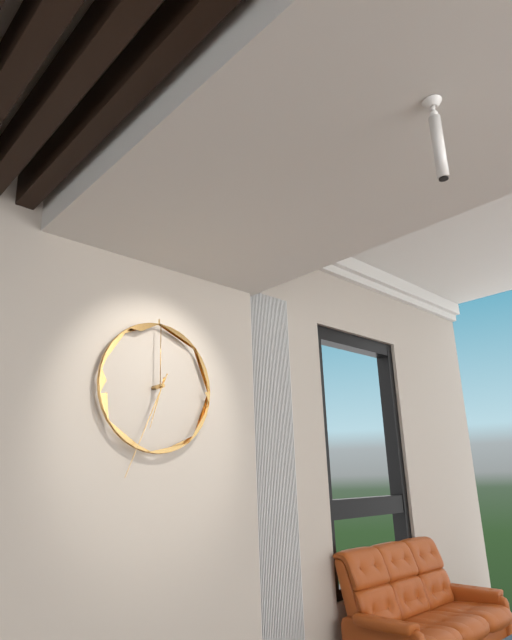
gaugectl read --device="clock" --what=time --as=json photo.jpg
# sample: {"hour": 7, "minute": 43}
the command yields {"hour": 6, "minute": 34}
